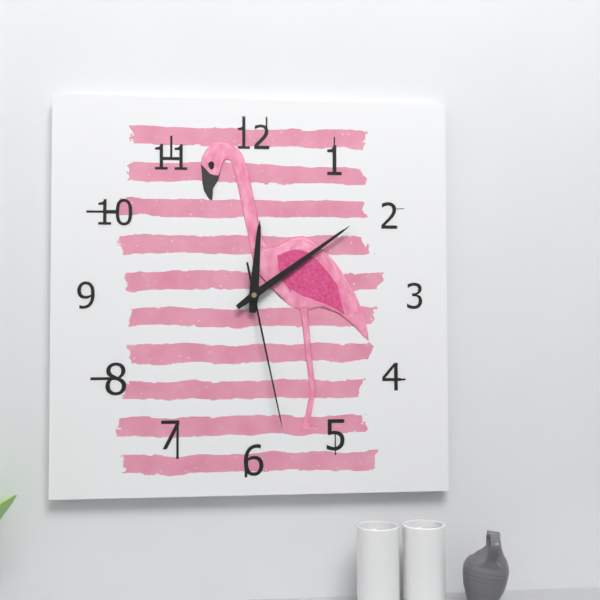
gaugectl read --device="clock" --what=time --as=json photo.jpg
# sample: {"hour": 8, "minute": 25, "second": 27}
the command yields {"hour": 12, "minute": 9, "second": 28}
